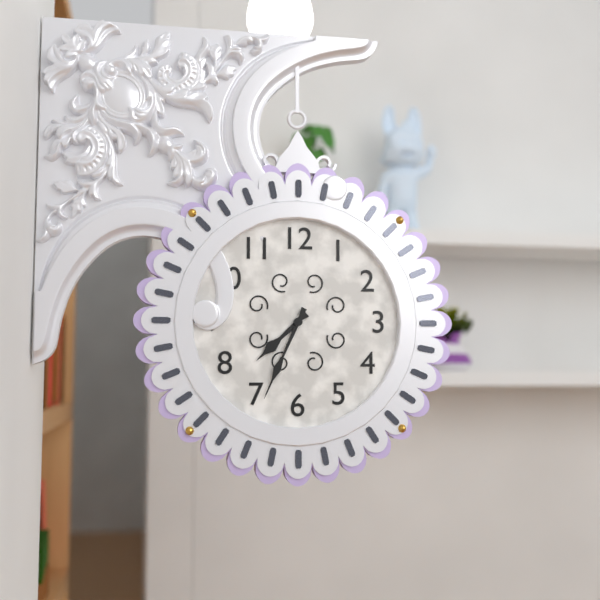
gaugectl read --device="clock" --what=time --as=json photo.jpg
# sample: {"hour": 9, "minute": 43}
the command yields {"hour": 7, "minute": 34}
